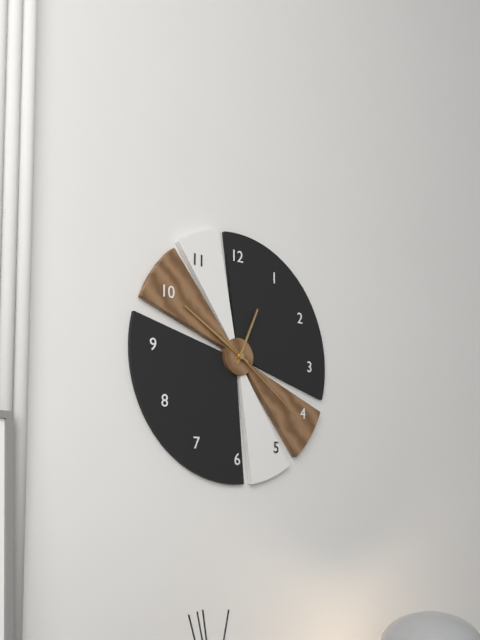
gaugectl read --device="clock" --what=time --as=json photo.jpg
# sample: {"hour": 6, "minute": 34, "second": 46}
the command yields {"hour": 12, "minute": 50, "second": 21}
